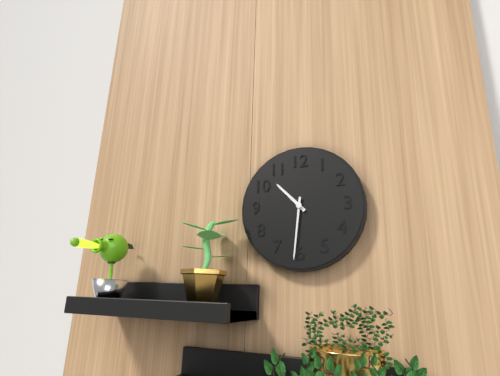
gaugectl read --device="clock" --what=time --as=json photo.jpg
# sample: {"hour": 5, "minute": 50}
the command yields {"hour": 10, "minute": 31}
